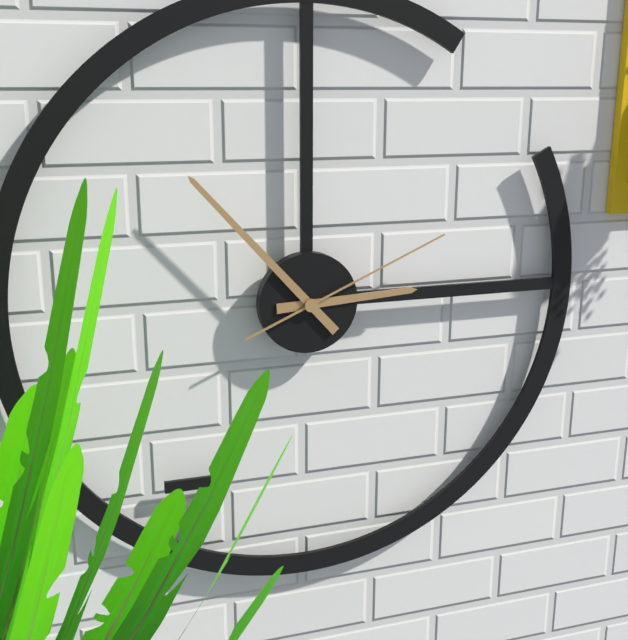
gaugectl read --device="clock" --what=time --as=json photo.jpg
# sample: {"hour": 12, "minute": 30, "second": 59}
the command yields {"hour": 2, "minute": 53, "second": 11}
